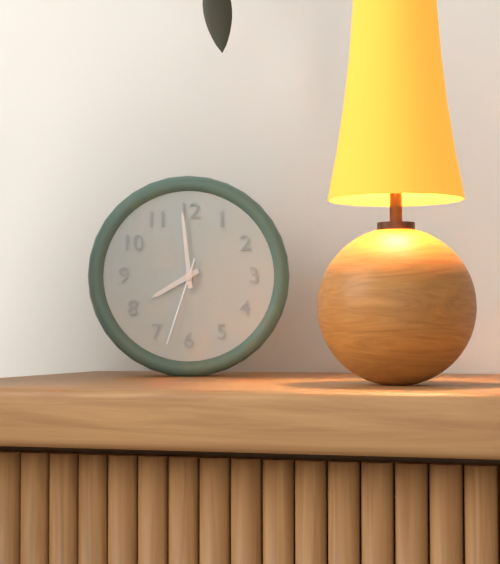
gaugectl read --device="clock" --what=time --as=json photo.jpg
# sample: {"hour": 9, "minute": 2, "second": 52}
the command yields {"hour": 7, "minute": 59, "second": 33}
